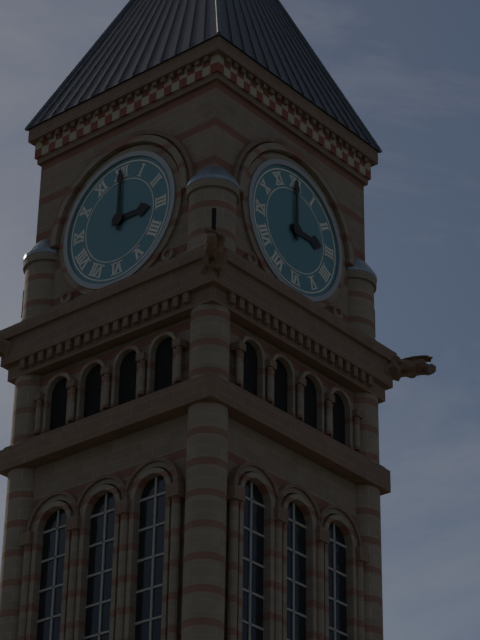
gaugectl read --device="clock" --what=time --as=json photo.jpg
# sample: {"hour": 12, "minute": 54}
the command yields {"hour": 3, "minute": 0}
